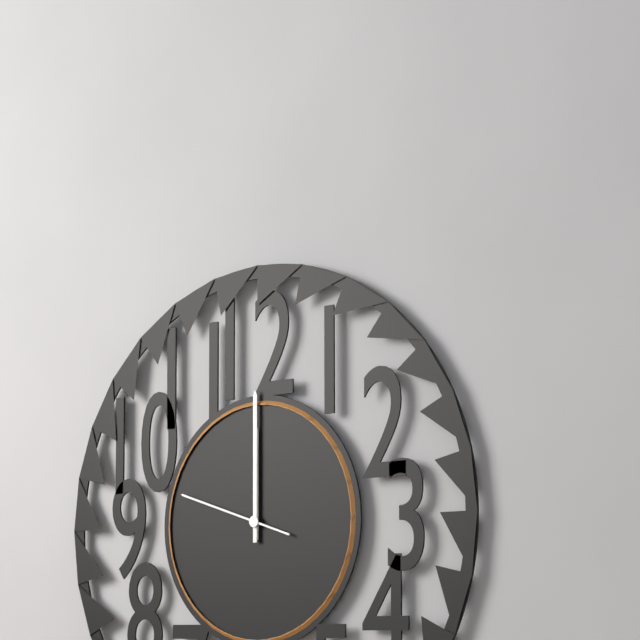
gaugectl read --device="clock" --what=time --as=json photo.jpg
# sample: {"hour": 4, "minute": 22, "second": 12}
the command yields {"hour": 12, "minute": 0, "second": 48}
